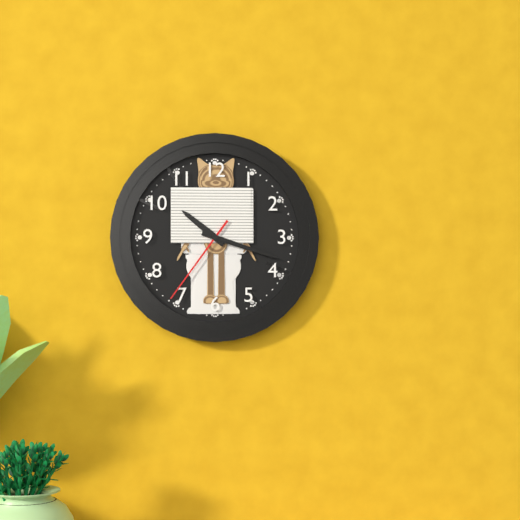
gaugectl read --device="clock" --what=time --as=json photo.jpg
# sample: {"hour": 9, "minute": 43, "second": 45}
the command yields {"hour": 10, "minute": 18, "second": 36}
